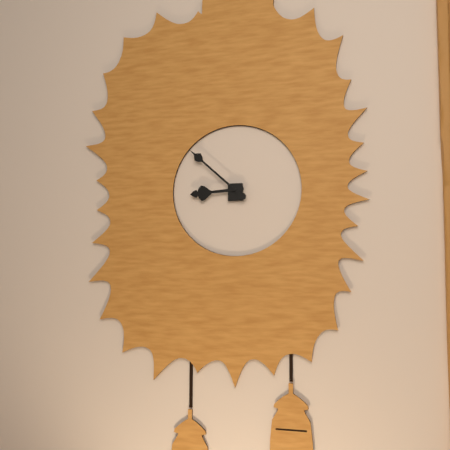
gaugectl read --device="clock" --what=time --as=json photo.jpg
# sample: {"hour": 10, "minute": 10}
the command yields {"hour": 8, "minute": 52}
